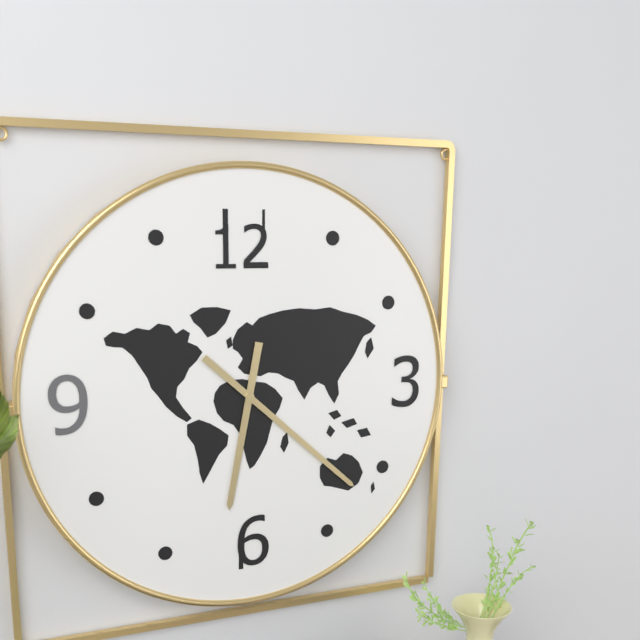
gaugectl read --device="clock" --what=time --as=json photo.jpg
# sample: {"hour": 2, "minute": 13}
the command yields {"hour": 6, "minute": 22}
